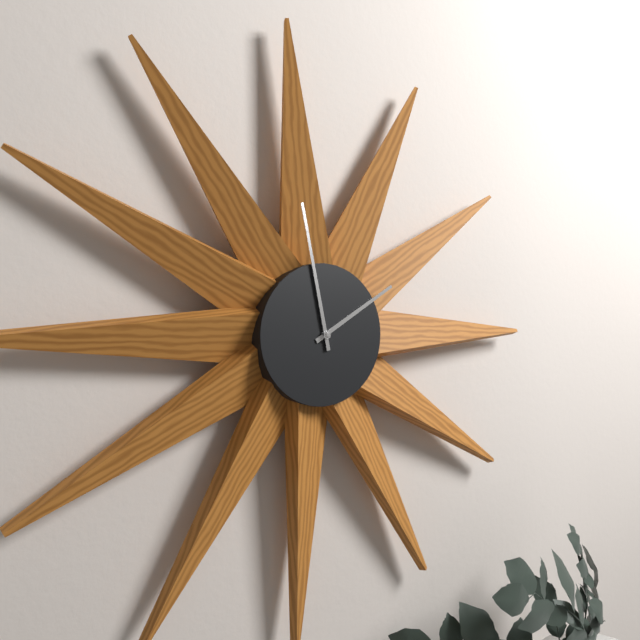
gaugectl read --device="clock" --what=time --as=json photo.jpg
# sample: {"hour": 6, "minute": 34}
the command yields {"hour": 1, "minute": 58}
